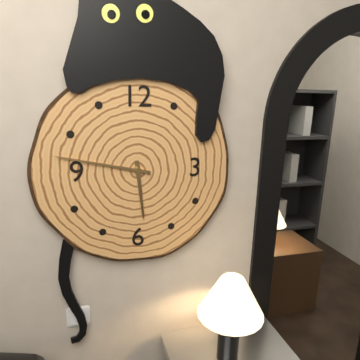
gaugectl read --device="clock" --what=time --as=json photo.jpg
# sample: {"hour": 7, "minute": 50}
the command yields {"hour": 5, "minute": 47}
